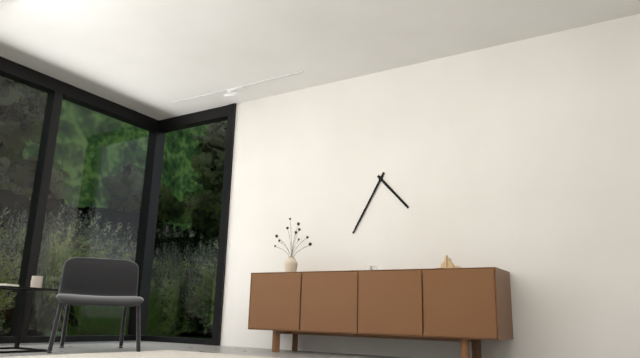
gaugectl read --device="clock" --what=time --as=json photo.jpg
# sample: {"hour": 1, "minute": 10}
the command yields {"hour": 4, "minute": 35}
